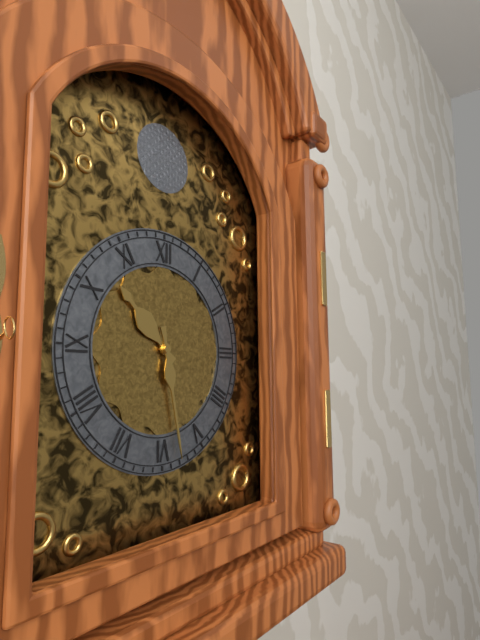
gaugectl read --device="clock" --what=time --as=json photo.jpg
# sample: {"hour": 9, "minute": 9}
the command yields {"hour": 10, "minute": 28}
